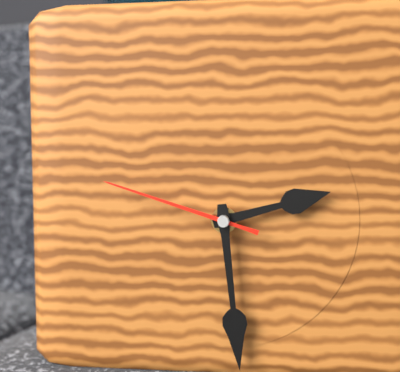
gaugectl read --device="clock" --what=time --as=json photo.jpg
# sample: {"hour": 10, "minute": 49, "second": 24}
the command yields {"hour": 2, "minute": 29, "second": 48}
